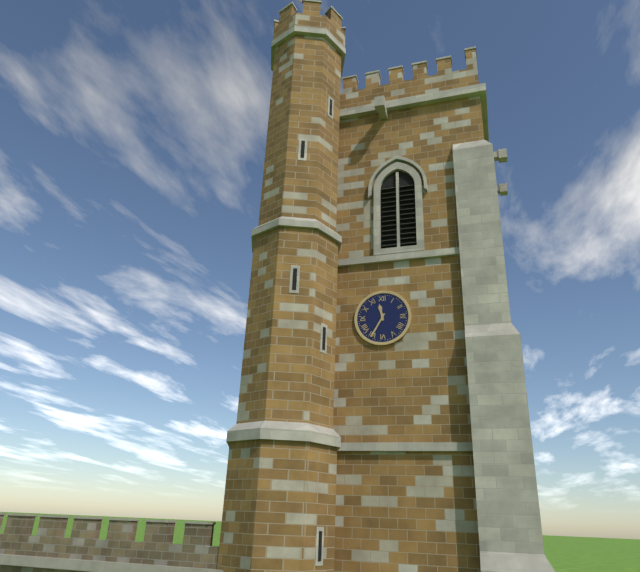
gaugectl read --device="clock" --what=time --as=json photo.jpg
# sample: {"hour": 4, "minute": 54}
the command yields {"hour": 11, "minute": 35}
